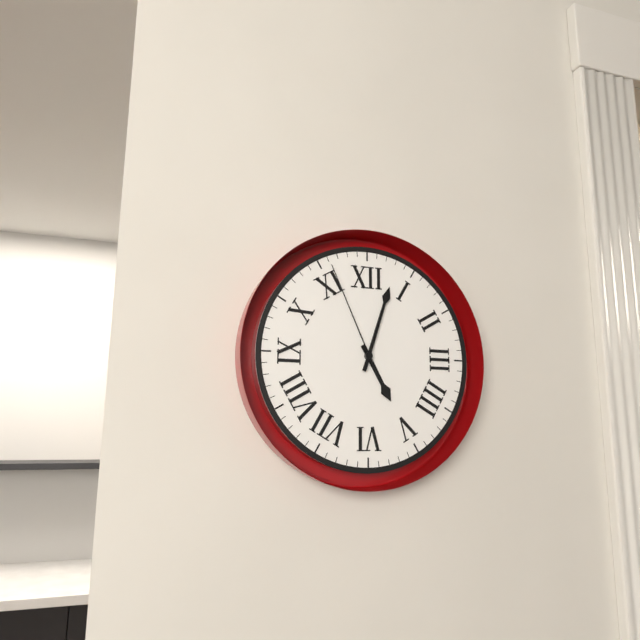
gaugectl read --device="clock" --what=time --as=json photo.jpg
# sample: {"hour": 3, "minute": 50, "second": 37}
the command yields {"hour": 5, "minute": 3, "second": 56}
